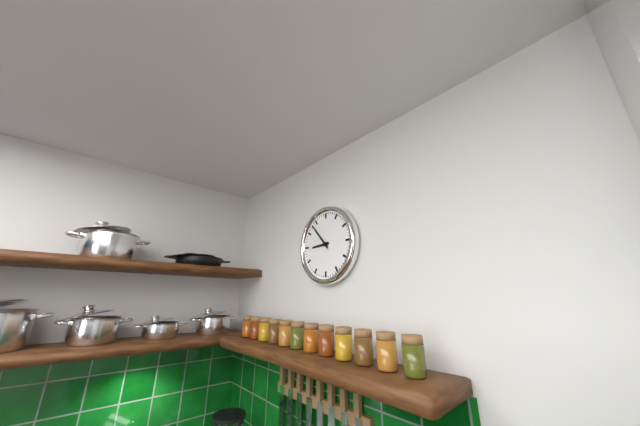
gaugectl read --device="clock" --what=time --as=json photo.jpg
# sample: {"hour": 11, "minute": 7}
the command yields {"hour": 8, "minute": 53}
